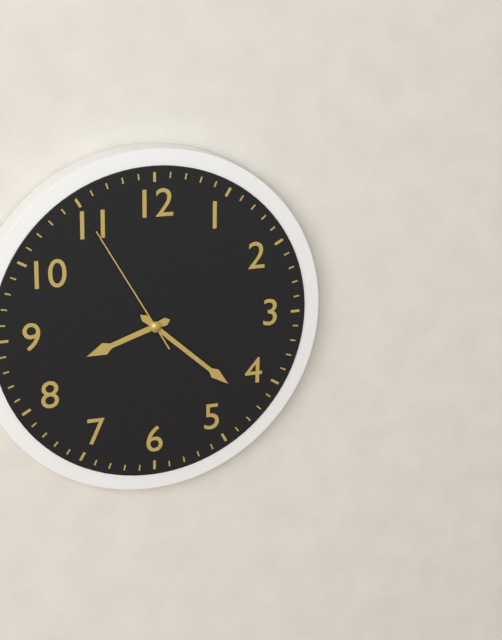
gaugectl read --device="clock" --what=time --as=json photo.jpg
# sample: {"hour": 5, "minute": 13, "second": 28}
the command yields {"hour": 8, "minute": 22, "second": 55}
